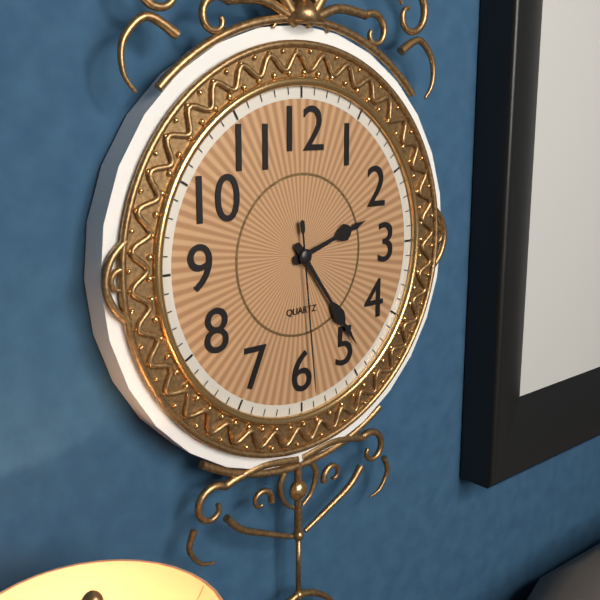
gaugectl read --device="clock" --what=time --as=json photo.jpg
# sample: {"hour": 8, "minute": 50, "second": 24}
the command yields {"hour": 2, "minute": 24, "second": 29}
